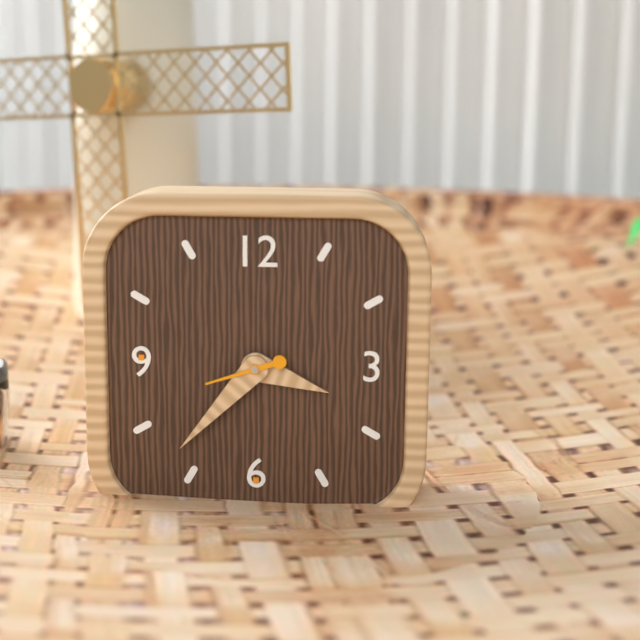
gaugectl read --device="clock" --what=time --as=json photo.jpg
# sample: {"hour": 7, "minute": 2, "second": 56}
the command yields {"hour": 3, "minute": 37, "second": 42}
